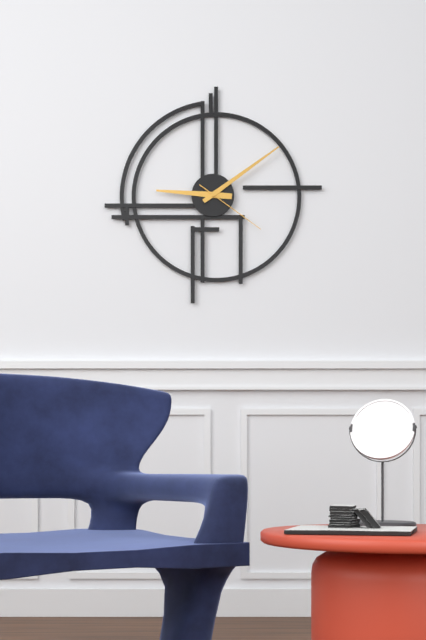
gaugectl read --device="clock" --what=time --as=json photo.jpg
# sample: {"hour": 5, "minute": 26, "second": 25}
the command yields {"hour": 9, "minute": 9, "second": 21}
